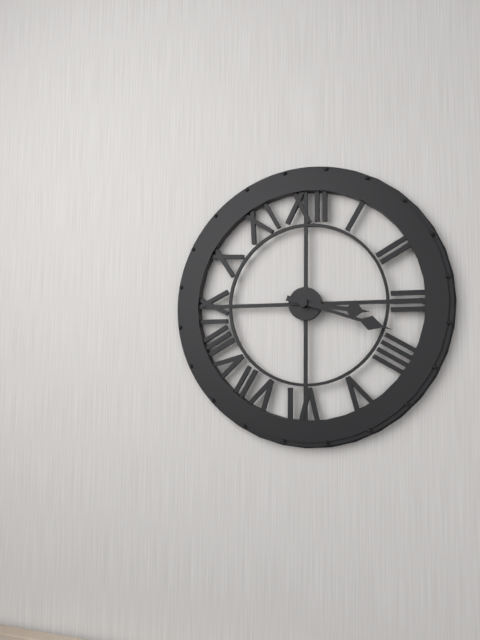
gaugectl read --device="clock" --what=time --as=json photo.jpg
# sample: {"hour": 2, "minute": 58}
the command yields {"hour": 3, "minute": 18}
